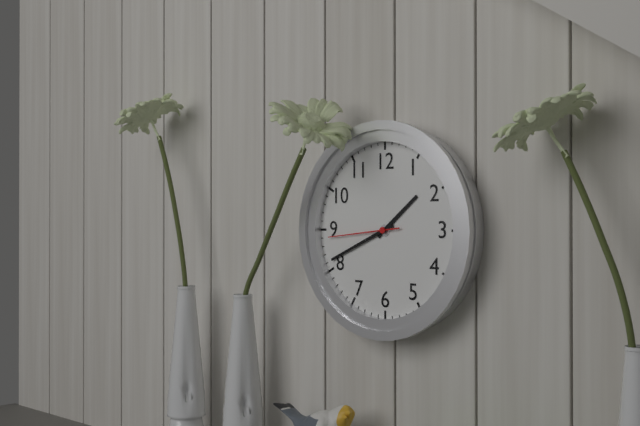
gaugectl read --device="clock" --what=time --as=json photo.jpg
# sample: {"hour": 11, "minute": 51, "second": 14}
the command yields {"hour": 1, "minute": 41, "second": 44}
